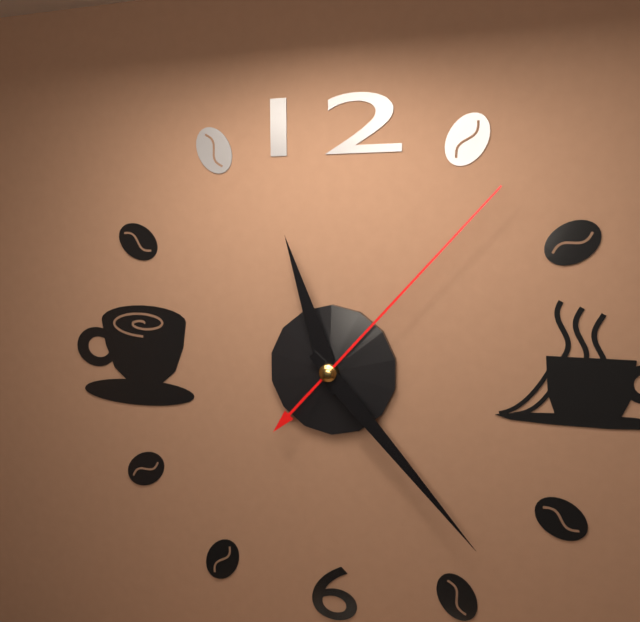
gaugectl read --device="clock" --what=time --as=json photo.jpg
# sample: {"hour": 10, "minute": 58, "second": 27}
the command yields {"hour": 11, "minute": 23, "second": 7}
